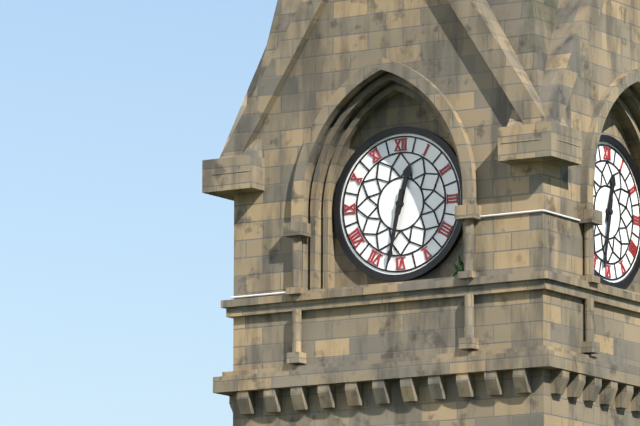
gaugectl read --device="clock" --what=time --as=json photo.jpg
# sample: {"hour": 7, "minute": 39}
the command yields {"hour": 12, "minute": 32}
